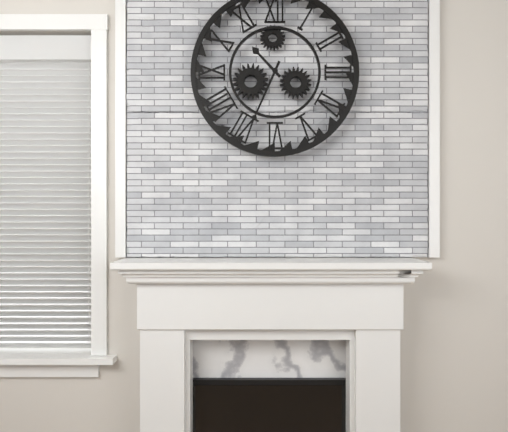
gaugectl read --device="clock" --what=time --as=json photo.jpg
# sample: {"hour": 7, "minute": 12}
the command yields {"hour": 10, "minute": 34}
